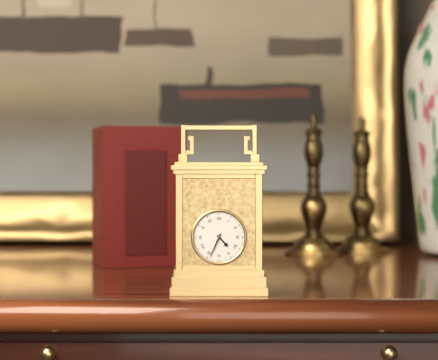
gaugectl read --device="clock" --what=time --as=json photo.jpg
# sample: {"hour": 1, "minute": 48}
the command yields {"hour": 4, "minute": 34}
